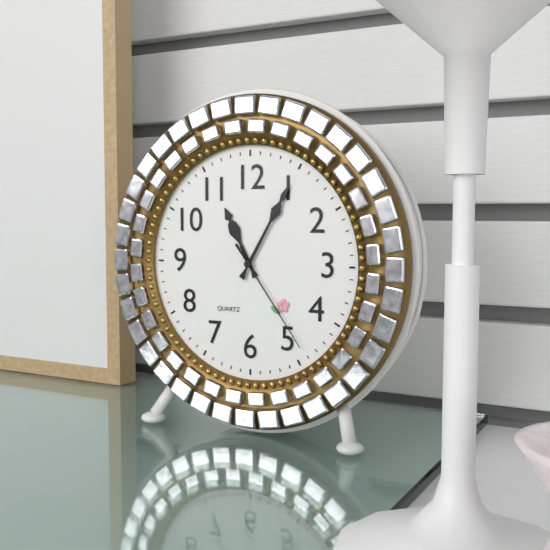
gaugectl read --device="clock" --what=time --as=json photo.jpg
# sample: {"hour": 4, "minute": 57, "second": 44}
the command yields {"hour": 11, "minute": 5, "second": 24}
